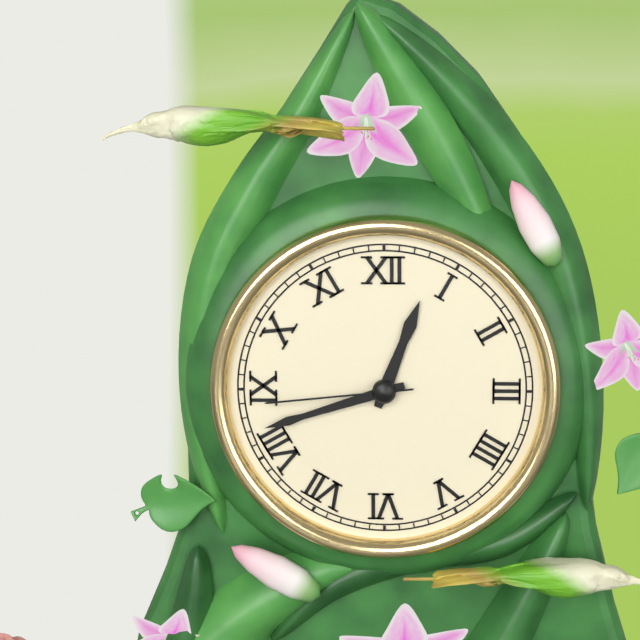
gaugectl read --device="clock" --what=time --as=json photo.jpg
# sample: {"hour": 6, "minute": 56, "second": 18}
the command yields {"hour": 12, "minute": 42, "second": 44}
